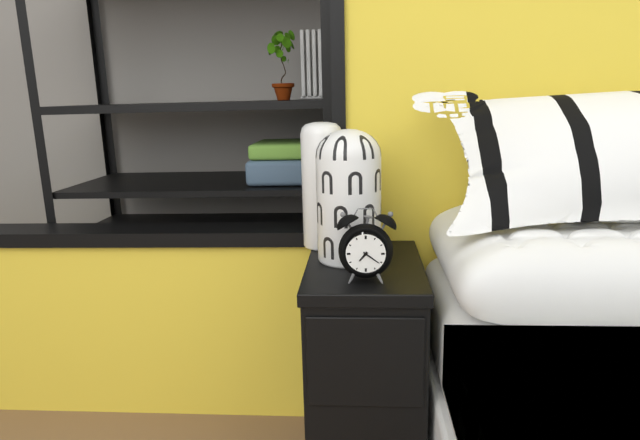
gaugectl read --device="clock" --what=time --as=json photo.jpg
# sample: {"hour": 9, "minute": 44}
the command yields {"hour": 7, "minute": 21}
